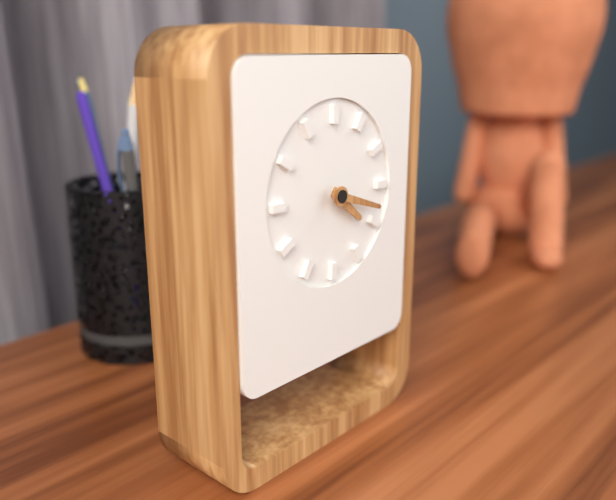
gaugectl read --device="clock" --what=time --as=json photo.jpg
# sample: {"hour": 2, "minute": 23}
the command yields {"hour": 4, "minute": 18}
